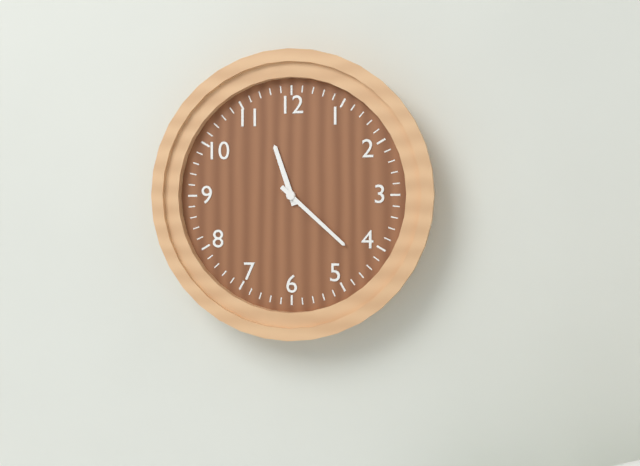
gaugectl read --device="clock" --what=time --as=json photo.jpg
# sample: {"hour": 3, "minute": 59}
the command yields {"hour": 11, "minute": 22}
